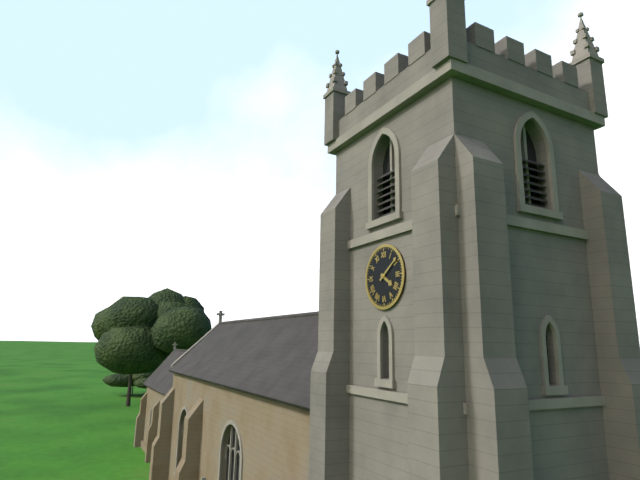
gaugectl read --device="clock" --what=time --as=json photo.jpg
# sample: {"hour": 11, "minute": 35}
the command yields {"hour": 4, "minute": 9}
